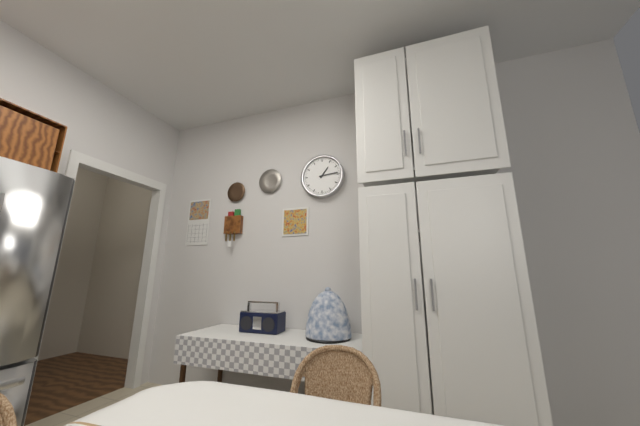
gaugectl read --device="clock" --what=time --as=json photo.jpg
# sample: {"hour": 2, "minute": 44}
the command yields {"hour": 1, "minute": 14}
